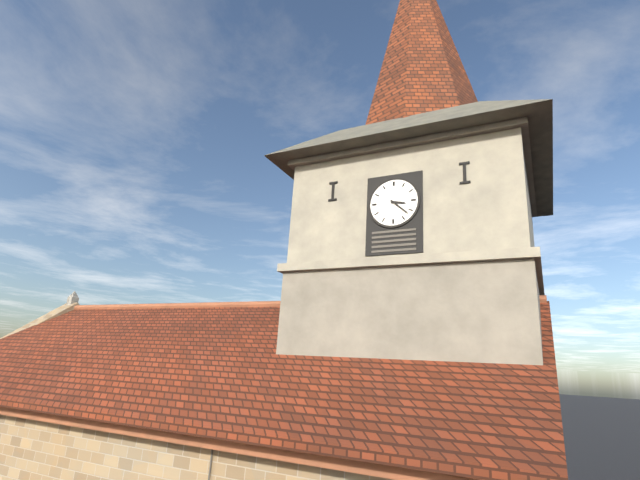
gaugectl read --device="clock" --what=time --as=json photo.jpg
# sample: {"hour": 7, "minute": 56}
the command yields {"hour": 3, "minute": 22}
